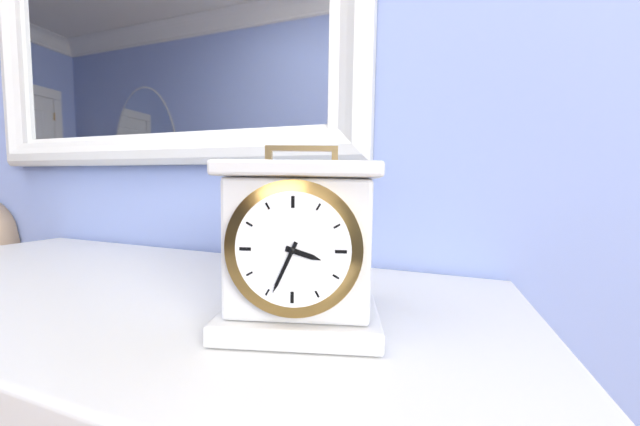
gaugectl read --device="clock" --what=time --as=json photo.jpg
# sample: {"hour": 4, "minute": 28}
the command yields {"hour": 3, "minute": 34}
